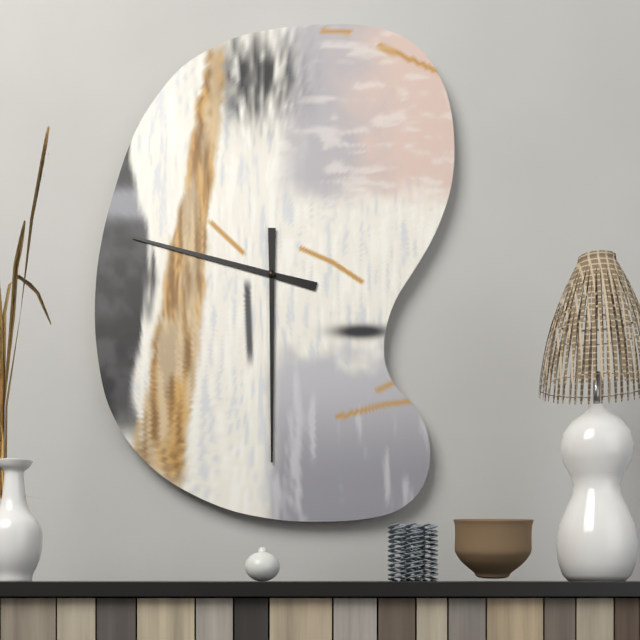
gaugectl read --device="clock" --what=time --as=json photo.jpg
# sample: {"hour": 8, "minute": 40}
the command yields {"hour": 9, "minute": 30}
